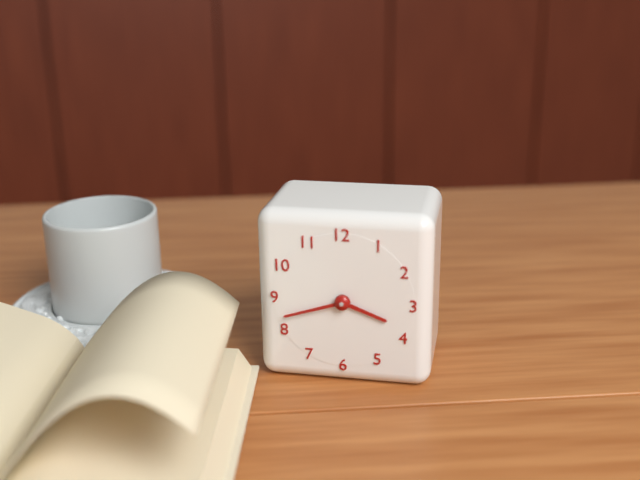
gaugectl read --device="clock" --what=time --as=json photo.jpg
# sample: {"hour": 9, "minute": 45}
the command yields {"hour": 3, "minute": 42}
